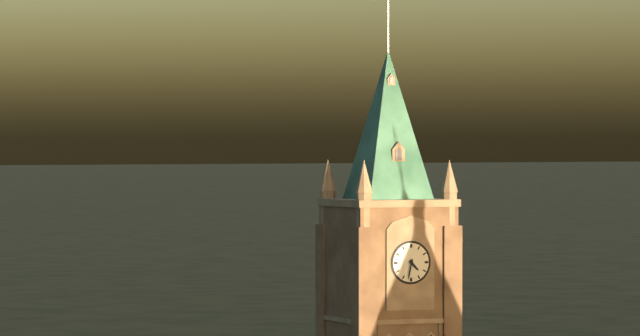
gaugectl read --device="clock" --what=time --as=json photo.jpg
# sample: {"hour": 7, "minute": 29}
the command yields {"hour": 4, "minute": 32}
